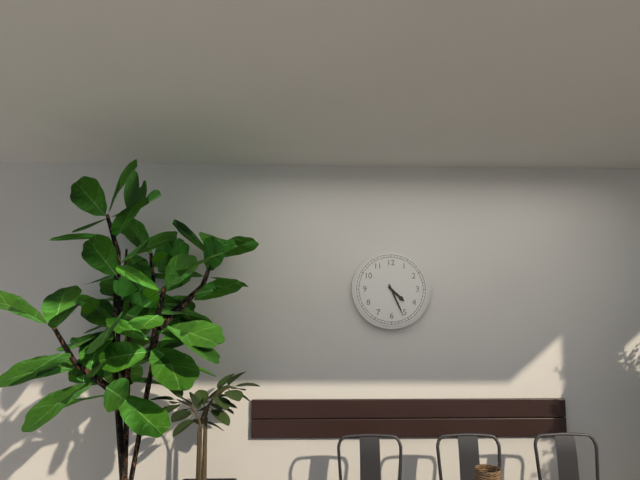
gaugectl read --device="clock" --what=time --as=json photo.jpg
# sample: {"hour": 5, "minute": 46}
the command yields {"hour": 4, "minute": 26}
